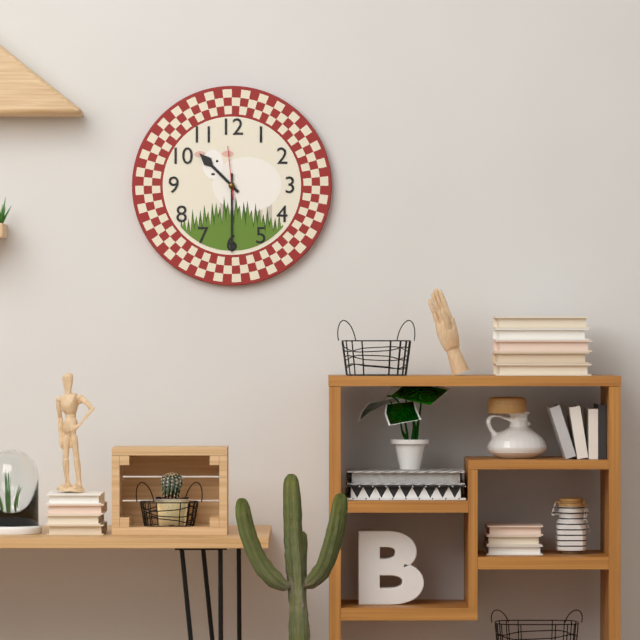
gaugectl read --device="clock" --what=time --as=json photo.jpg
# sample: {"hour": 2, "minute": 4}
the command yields {"hour": 10, "minute": 30}
